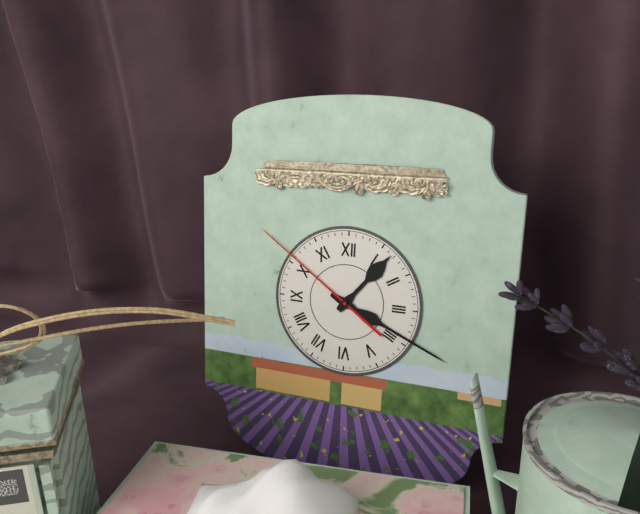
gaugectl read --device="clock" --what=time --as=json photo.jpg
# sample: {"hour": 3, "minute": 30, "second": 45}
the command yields {"hour": 1, "minute": 19, "second": 51}
